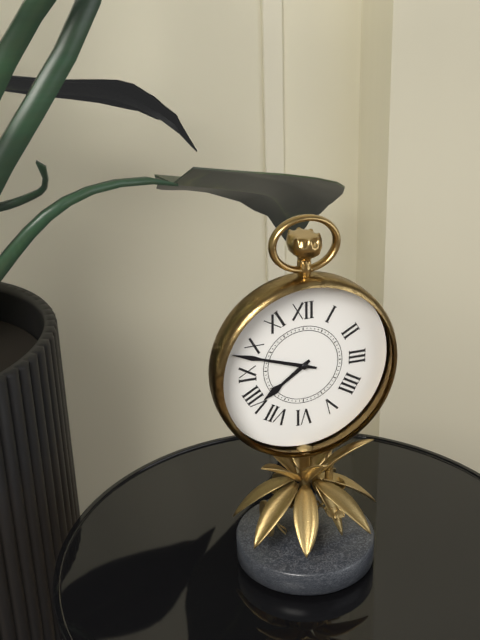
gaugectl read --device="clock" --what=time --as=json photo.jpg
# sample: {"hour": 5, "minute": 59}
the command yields {"hour": 7, "minute": 48}
